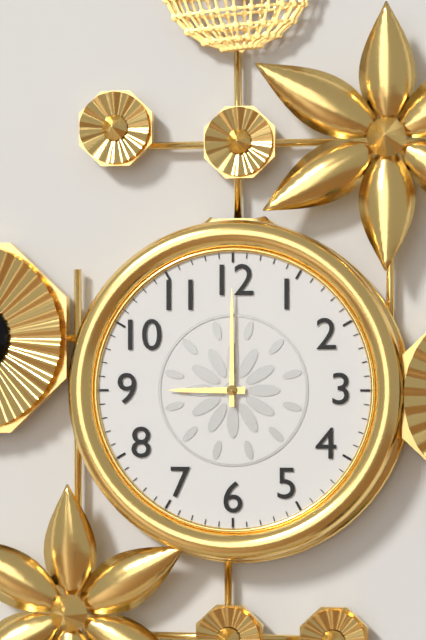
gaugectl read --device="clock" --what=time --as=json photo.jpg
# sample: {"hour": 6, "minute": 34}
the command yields {"hour": 9, "minute": 0}
